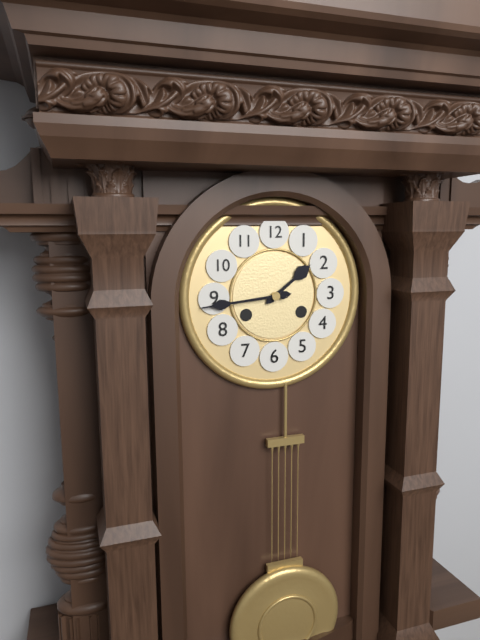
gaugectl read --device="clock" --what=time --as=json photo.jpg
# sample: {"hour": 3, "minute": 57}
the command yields {"hour": 1, "minute": 44}
